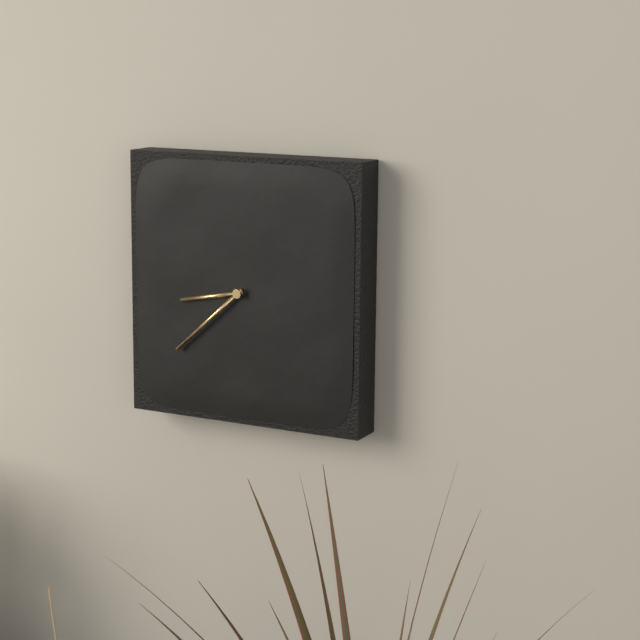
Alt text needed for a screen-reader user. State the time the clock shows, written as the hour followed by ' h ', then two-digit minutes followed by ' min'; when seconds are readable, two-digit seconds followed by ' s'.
8 h 38 min
